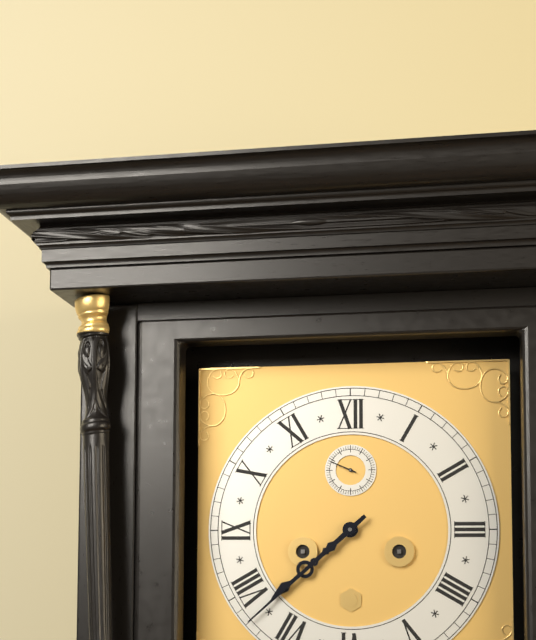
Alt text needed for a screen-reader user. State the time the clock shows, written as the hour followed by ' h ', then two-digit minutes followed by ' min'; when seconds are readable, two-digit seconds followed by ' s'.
7 h 38 min
